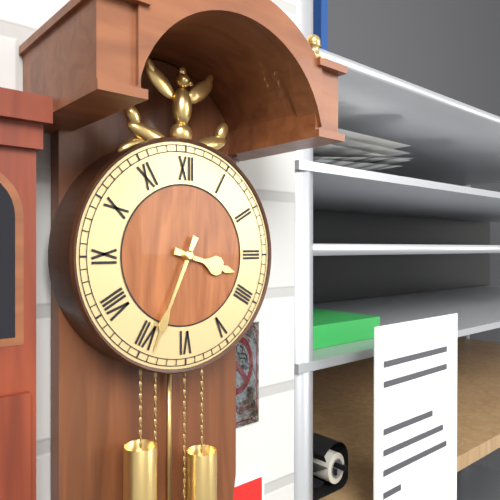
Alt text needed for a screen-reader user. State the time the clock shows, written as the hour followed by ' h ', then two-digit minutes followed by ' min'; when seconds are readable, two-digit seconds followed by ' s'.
3 h 34 min
